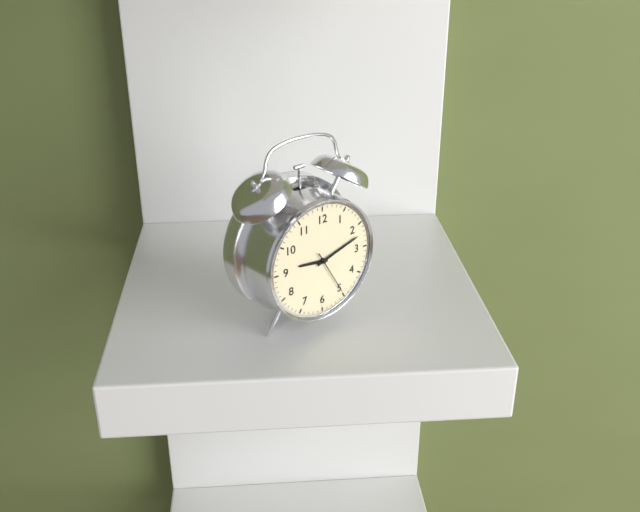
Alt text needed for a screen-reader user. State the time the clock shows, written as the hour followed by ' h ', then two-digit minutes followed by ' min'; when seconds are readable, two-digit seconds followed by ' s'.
9 h 12 min
